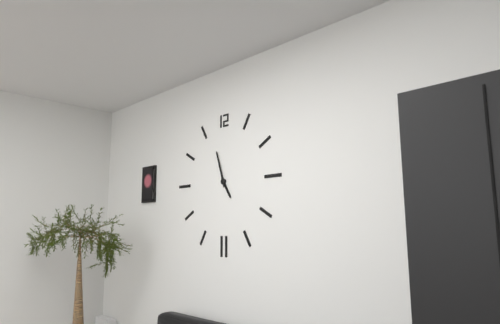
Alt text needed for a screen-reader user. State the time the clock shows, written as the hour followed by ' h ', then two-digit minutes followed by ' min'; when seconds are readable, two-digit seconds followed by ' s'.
4 h 57 min
